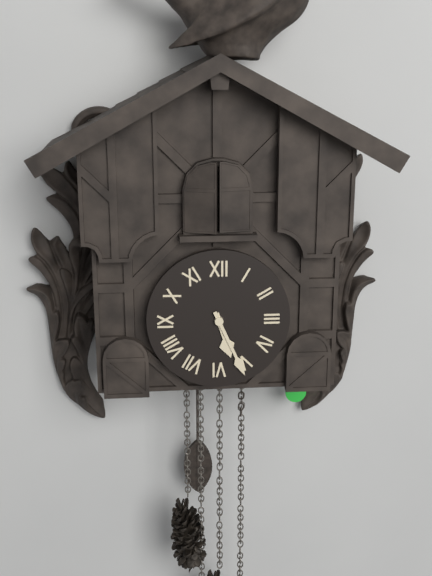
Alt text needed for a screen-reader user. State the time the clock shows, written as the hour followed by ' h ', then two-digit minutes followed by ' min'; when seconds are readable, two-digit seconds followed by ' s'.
5 h 26 min
